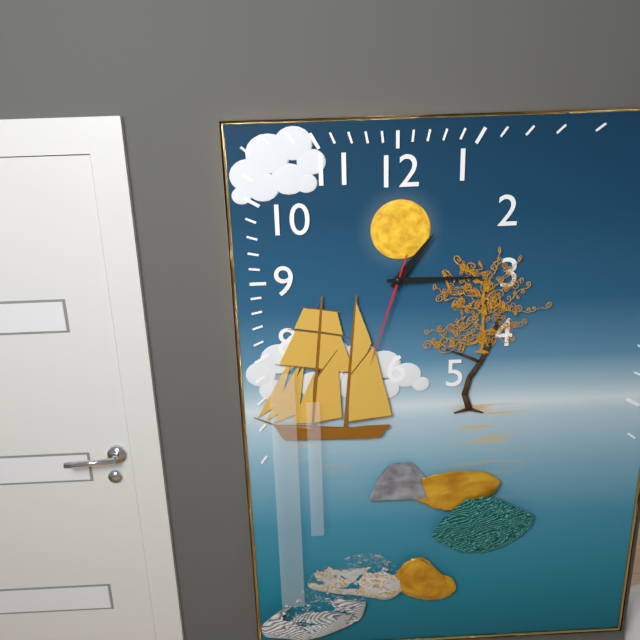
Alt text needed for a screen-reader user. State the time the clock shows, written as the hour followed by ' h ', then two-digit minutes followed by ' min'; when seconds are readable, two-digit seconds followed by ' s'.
1 h 15 min 33 s
